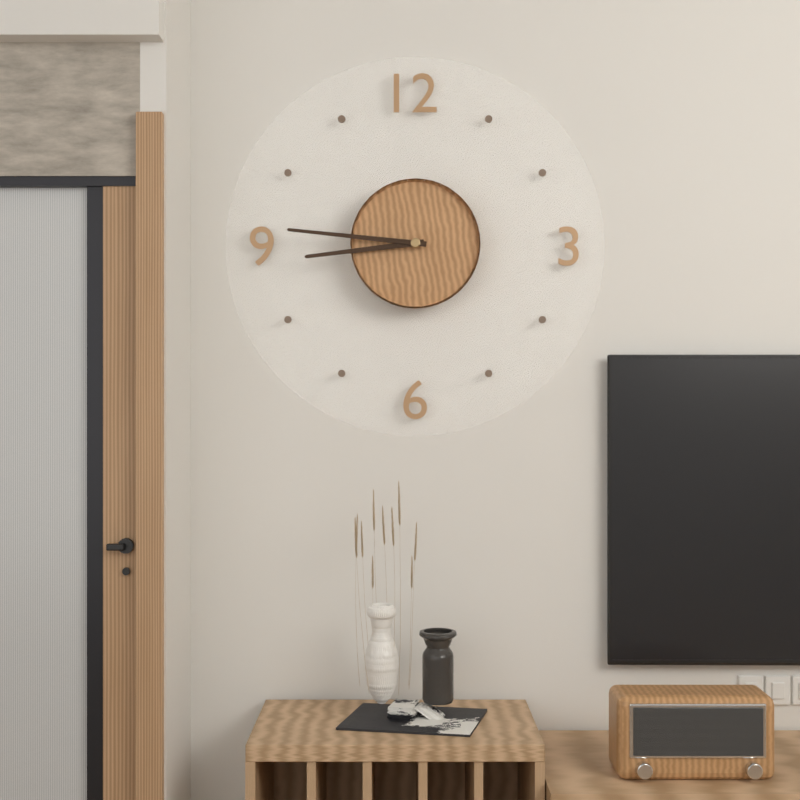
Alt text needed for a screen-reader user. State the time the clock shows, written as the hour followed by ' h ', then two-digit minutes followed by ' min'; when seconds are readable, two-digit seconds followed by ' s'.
8 h 46 min
